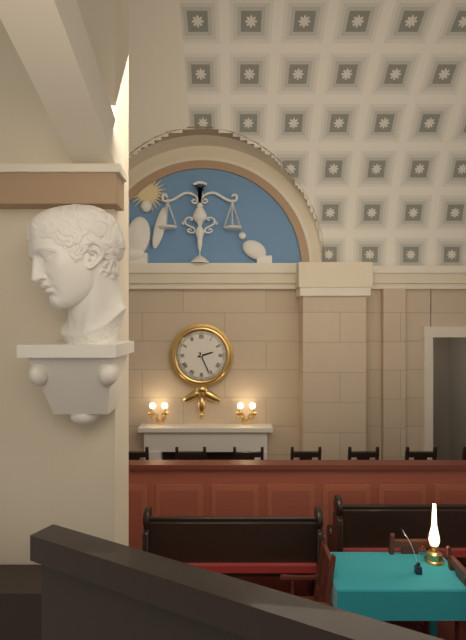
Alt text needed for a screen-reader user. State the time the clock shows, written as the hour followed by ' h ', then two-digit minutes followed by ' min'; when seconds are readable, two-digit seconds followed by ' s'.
2 h 26 min
